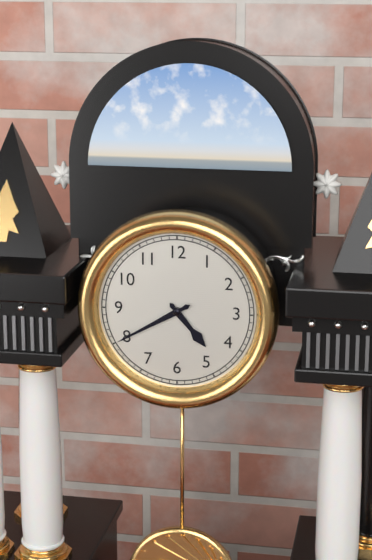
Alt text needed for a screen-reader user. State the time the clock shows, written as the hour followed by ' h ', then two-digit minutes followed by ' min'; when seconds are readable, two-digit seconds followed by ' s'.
4 h 40 min
